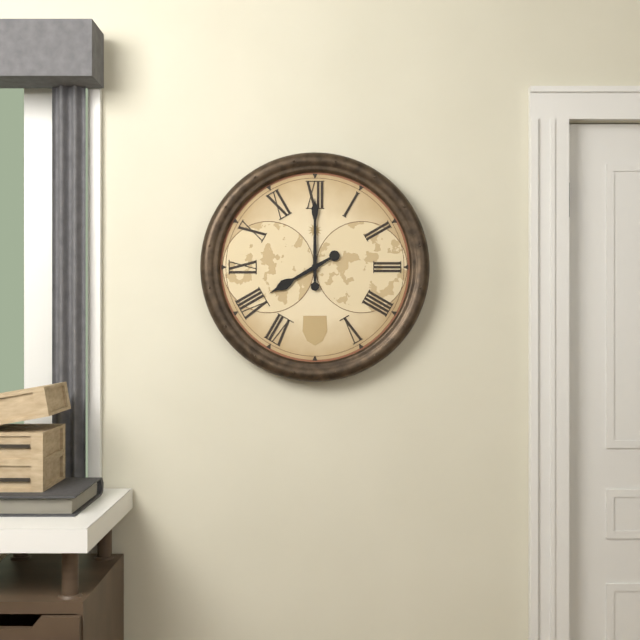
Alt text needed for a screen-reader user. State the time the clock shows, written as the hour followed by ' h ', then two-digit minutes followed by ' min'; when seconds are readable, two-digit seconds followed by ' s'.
8 h 00 min
